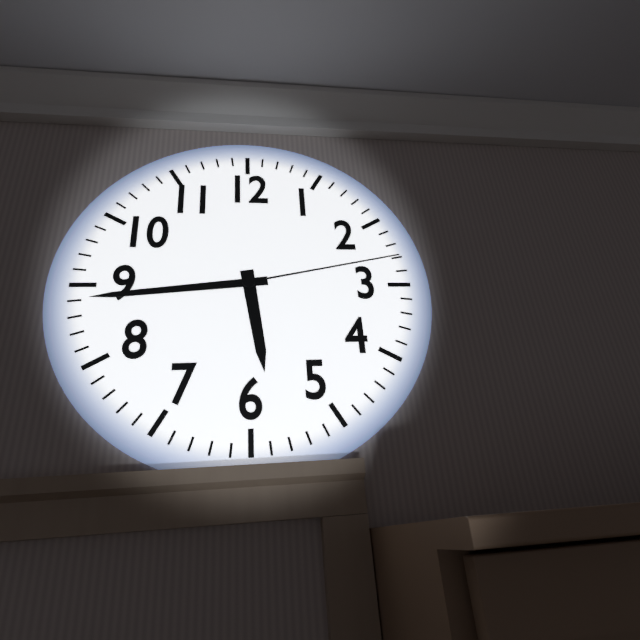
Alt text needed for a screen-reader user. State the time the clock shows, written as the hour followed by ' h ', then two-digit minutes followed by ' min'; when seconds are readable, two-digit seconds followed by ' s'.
5 h 44 min 13 s
